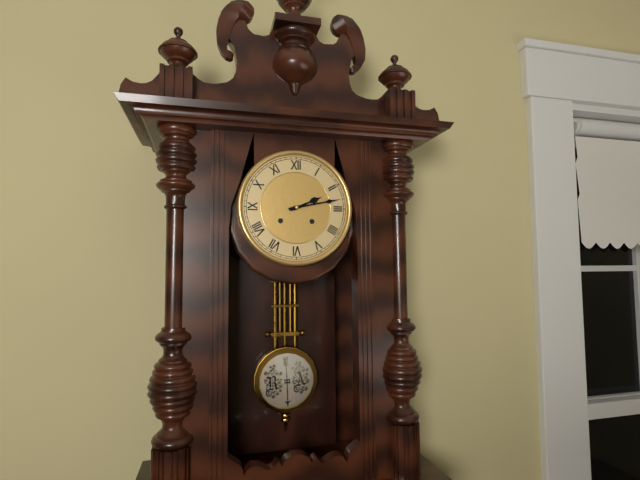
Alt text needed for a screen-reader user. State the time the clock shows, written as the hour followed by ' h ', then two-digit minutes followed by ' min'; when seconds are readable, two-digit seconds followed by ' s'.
2 h 13 min
